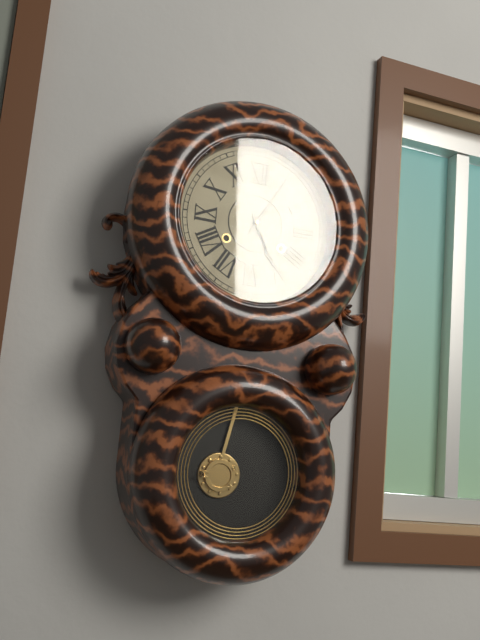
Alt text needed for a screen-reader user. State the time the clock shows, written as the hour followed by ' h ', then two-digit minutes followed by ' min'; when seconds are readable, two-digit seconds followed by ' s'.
5 h 05 min
